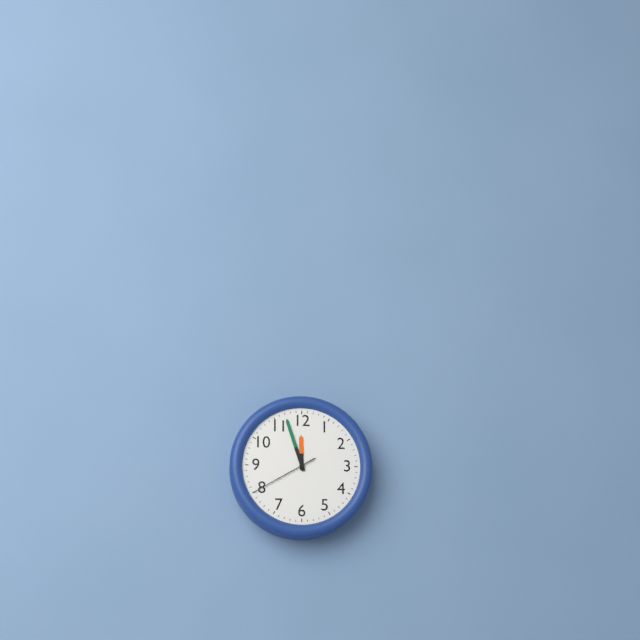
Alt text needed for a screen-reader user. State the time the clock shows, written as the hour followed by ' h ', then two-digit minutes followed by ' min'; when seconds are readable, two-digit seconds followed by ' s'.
11 h 57 min 40 s
